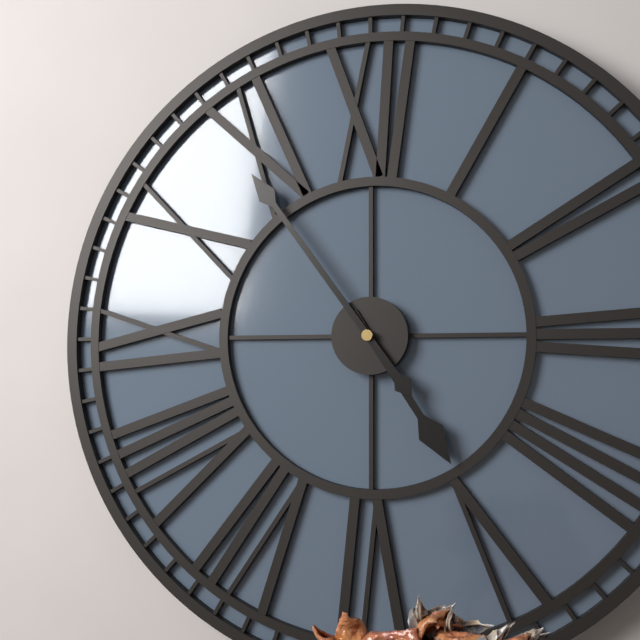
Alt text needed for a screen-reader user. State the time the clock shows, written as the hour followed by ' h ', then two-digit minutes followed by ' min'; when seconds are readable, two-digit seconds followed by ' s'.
4 h 54 min
